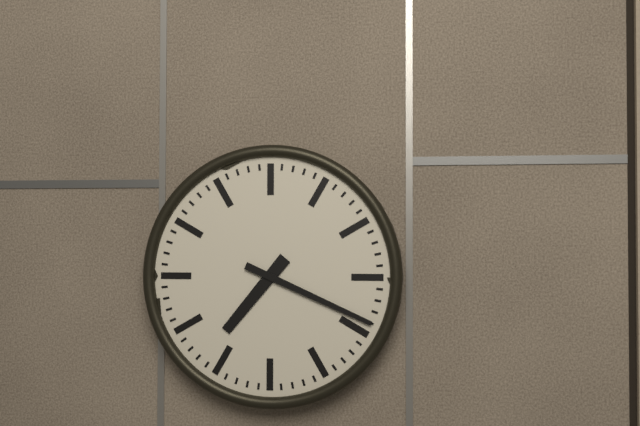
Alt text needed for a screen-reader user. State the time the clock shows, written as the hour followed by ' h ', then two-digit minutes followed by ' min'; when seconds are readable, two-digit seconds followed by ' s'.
7 h 19 min
